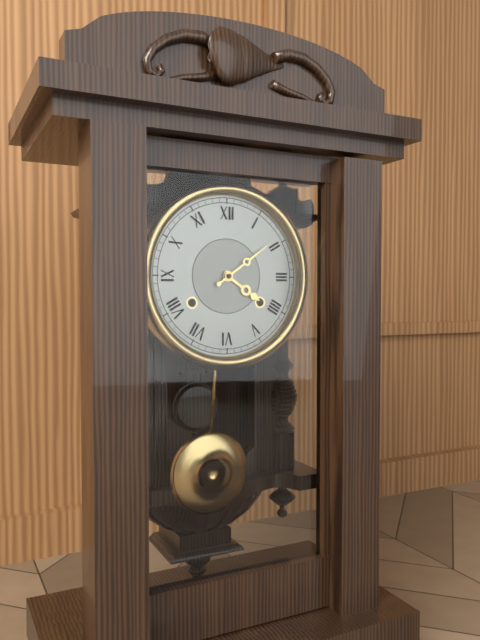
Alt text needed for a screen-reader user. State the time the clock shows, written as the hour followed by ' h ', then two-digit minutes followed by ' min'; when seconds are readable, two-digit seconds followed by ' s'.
4 h 09 min
